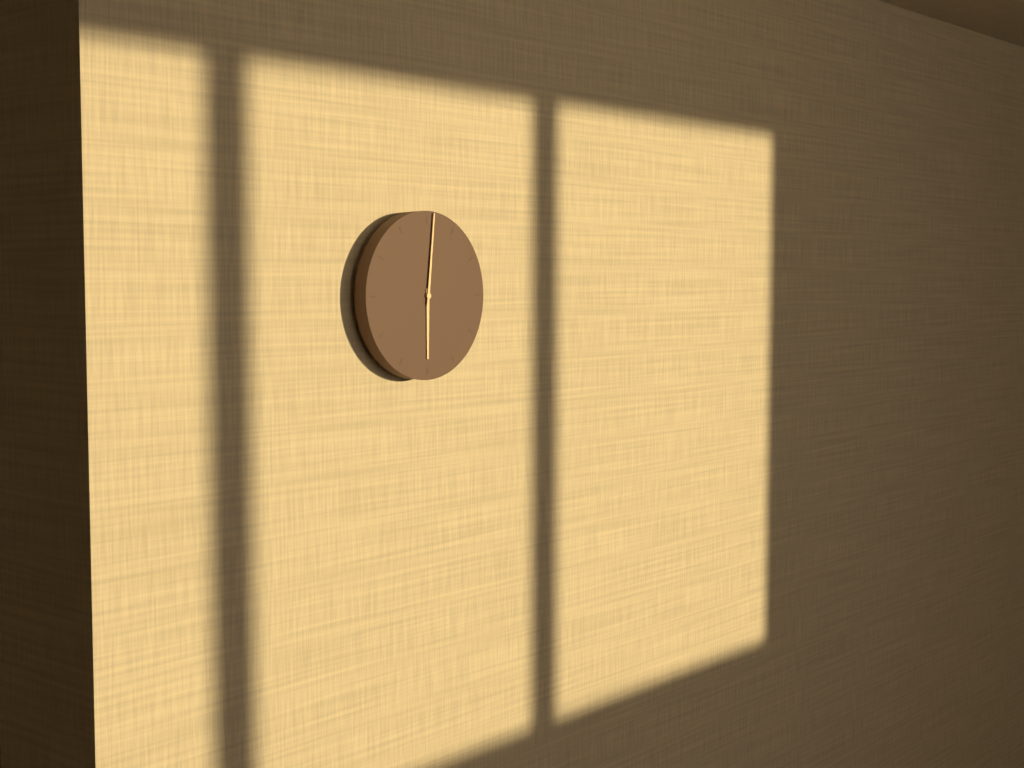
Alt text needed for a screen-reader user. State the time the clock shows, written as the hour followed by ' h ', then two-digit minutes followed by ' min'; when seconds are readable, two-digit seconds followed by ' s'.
6 h 01 min
